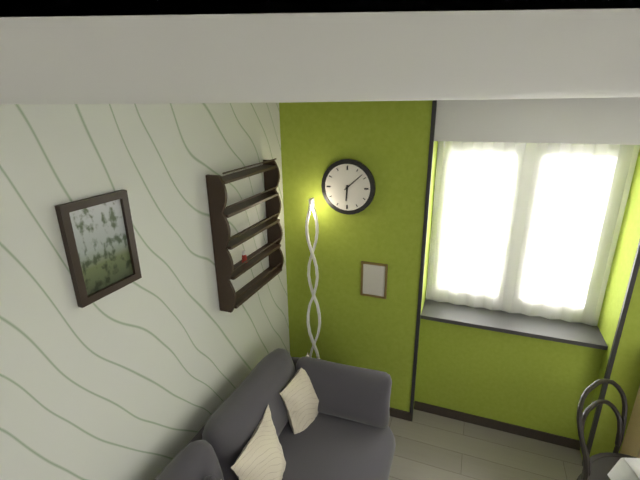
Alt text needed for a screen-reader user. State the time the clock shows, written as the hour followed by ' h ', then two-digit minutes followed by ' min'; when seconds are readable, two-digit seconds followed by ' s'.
6 h 08 min
